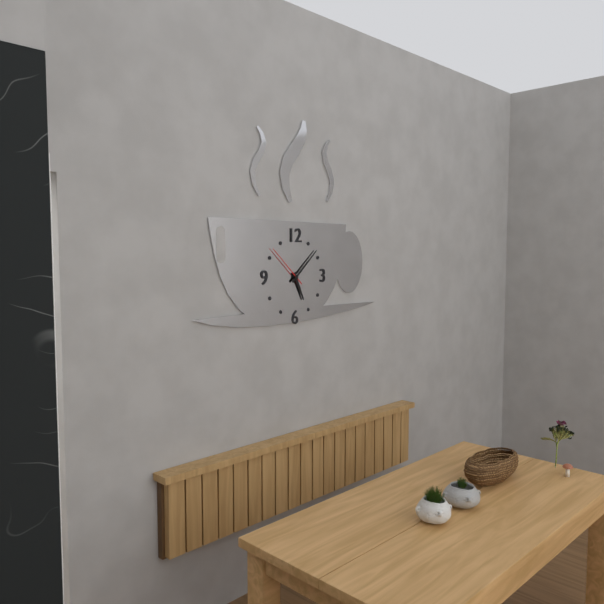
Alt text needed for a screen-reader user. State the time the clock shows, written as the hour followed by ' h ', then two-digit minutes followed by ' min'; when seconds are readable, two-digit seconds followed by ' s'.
5 h 08 min
